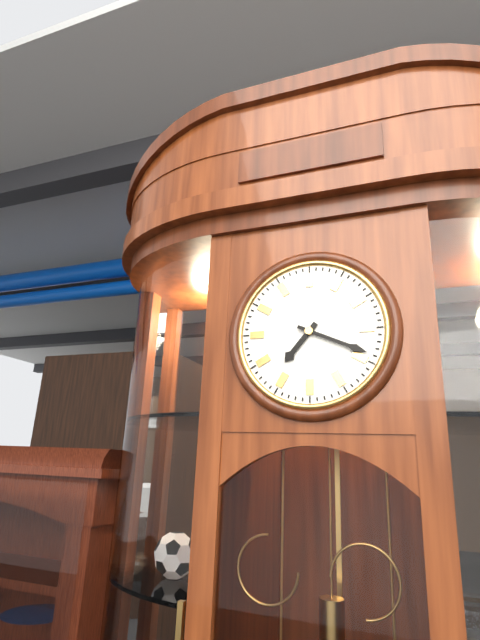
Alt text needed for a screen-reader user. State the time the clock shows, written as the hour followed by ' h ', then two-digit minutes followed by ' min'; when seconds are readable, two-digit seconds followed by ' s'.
7 h 19 min
